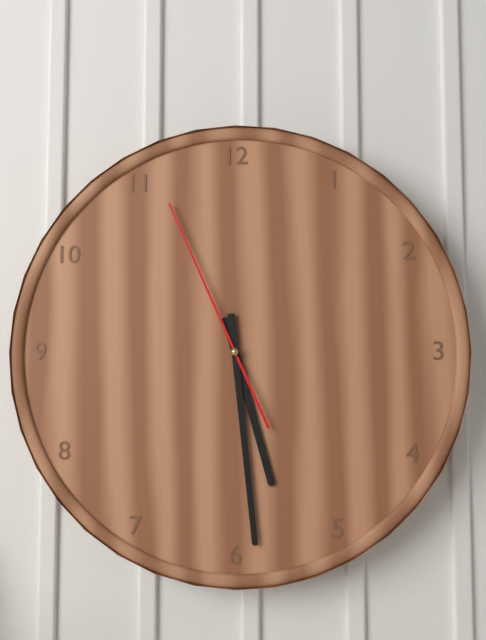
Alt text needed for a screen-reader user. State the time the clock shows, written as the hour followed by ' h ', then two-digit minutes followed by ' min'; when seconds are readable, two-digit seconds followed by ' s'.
5 h 29 min 56 s
